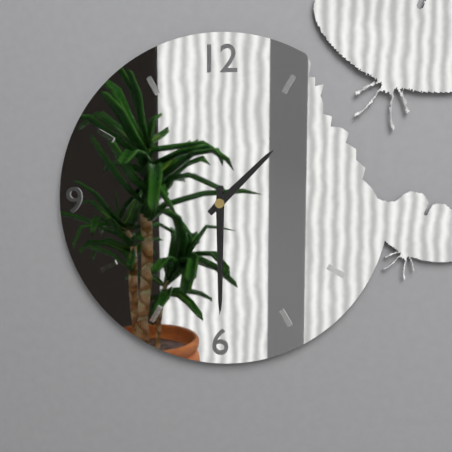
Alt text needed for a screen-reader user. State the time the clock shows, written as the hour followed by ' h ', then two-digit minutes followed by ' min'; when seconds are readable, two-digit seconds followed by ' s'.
1 h 30 min
